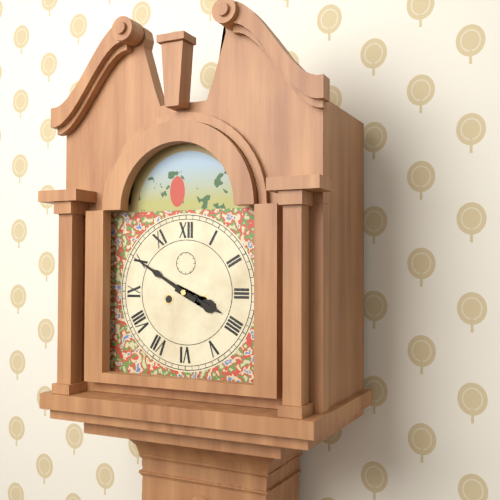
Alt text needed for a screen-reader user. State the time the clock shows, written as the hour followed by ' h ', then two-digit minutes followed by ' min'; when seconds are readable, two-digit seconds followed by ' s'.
3 h 50 min
